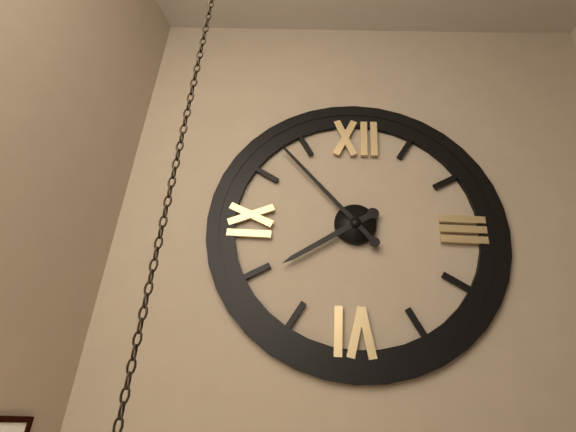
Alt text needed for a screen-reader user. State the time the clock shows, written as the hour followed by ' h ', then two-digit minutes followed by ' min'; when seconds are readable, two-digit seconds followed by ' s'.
7 h 53 min
